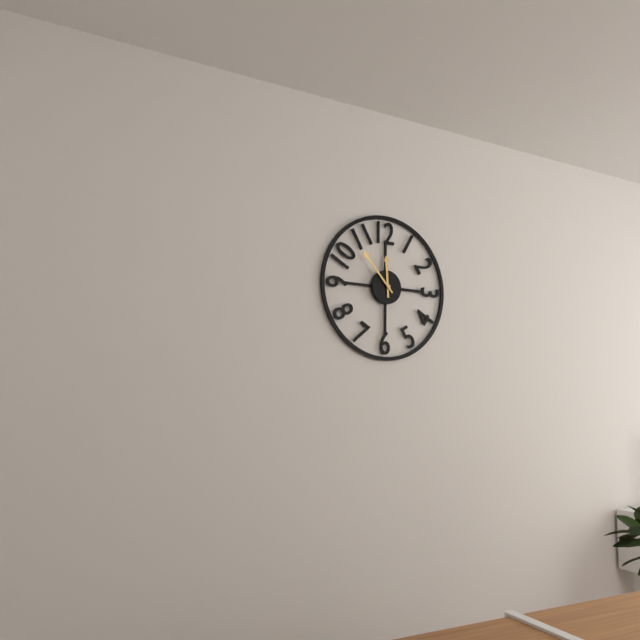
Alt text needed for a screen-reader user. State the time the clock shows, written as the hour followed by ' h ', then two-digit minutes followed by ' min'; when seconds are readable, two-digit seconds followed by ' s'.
11 h 53 min
